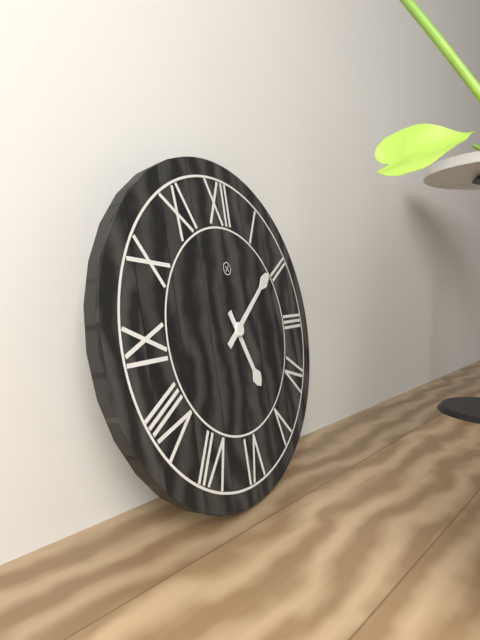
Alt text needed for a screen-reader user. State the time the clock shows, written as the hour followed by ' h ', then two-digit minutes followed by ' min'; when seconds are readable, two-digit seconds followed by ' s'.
5 h 09 min
